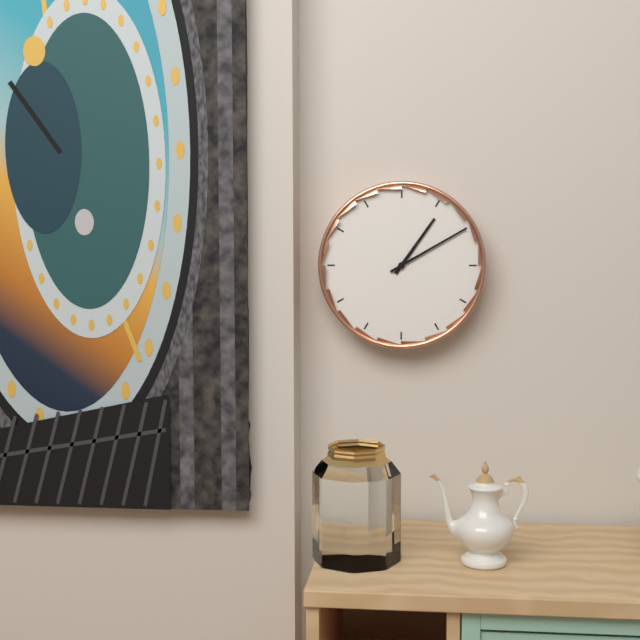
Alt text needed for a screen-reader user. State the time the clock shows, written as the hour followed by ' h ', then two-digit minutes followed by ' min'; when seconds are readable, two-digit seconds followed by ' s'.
1 h 10 min
